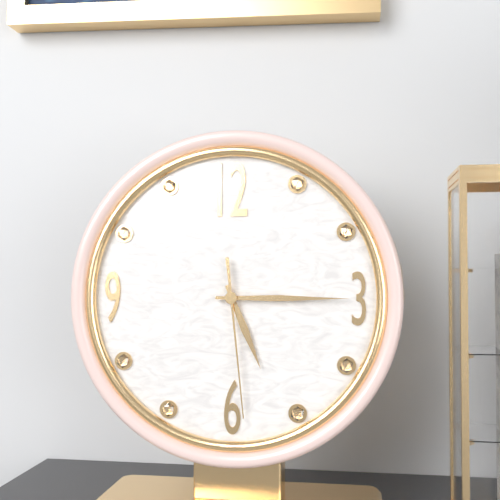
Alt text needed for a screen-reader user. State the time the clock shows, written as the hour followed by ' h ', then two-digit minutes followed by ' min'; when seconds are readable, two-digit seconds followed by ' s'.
5 h 15 min 29 s
